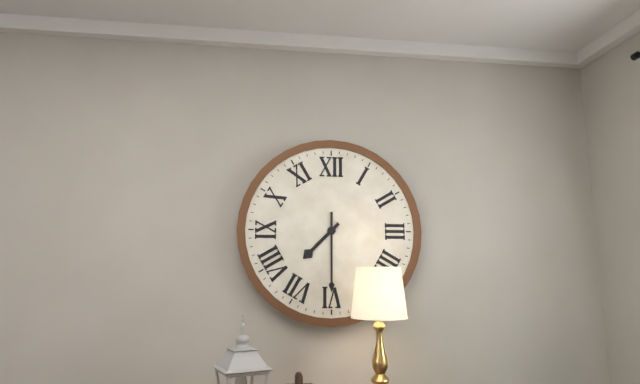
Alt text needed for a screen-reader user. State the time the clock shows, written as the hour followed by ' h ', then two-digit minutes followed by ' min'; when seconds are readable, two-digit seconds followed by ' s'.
7 h 30 min
